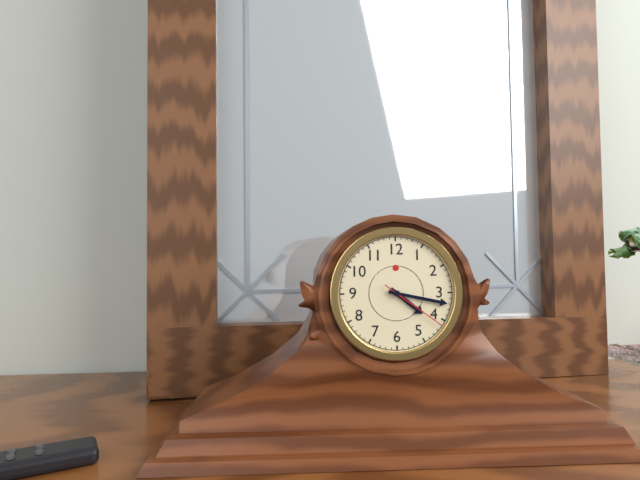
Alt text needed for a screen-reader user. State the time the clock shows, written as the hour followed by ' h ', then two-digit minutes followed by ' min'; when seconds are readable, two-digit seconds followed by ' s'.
4 h 17 min 21 s
